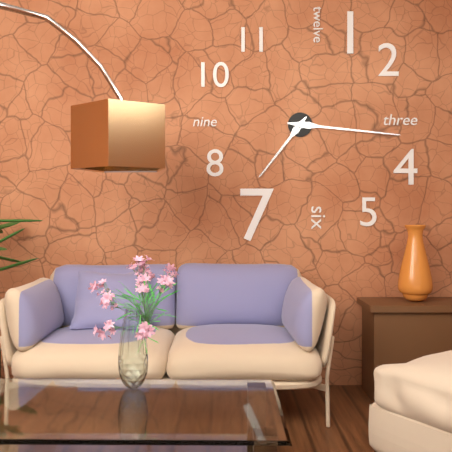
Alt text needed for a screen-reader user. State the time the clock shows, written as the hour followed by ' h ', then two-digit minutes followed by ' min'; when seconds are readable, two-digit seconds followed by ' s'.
7 h 16 min
